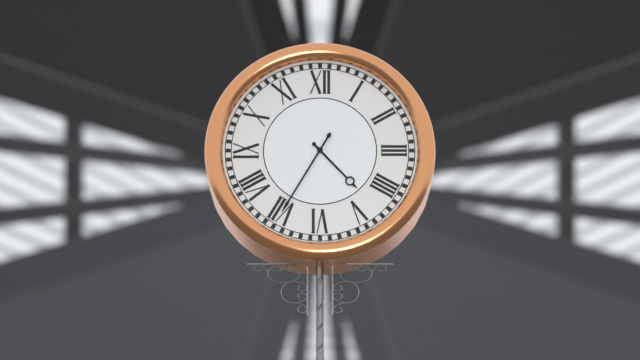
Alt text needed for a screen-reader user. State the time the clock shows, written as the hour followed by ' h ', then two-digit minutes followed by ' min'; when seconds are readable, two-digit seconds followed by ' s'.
4 h 35 min
